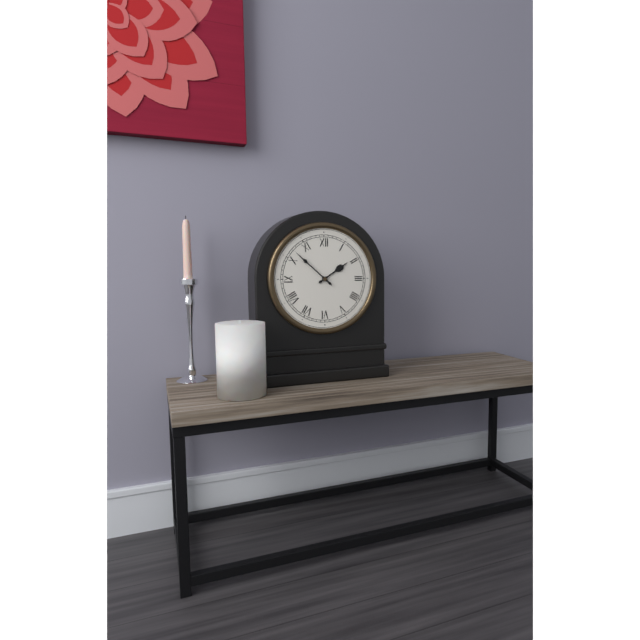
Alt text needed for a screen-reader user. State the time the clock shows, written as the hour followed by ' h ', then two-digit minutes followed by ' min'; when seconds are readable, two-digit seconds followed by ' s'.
1 h 52 min
